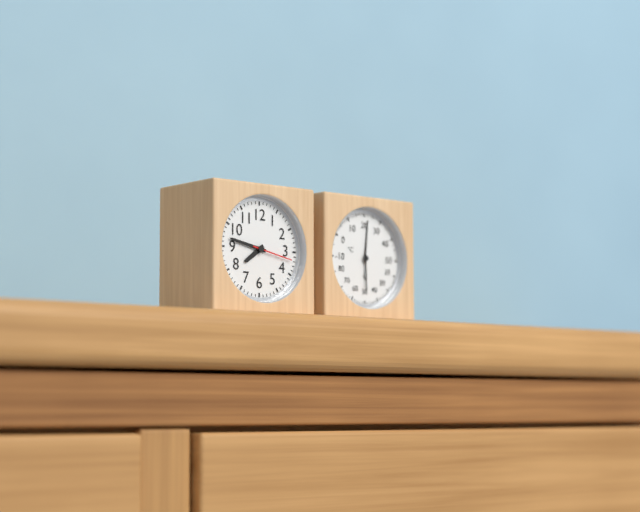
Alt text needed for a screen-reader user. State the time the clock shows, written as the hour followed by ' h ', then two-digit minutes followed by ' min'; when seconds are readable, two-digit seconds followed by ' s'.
7 h 47 min
